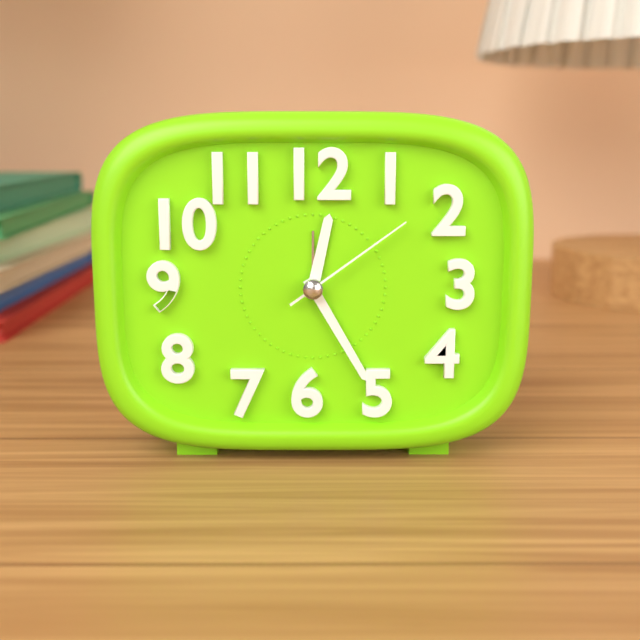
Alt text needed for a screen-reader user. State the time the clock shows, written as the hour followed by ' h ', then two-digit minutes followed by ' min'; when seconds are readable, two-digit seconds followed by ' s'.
12 h 25 min 09 s
